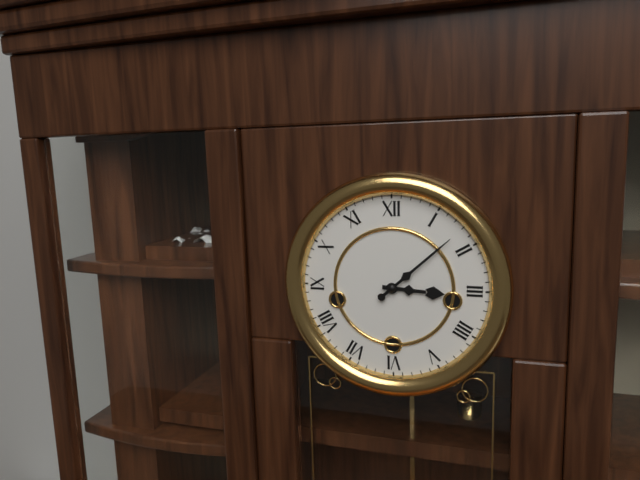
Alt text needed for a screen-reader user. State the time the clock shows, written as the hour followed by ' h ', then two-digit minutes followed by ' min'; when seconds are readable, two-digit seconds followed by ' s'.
3 h 08 min
